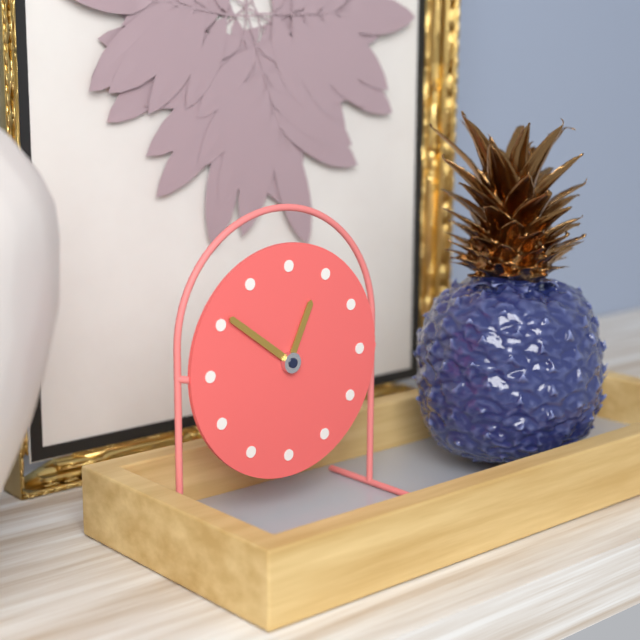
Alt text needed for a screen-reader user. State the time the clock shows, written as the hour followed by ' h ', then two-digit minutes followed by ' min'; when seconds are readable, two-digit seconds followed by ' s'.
12 h 51 min
